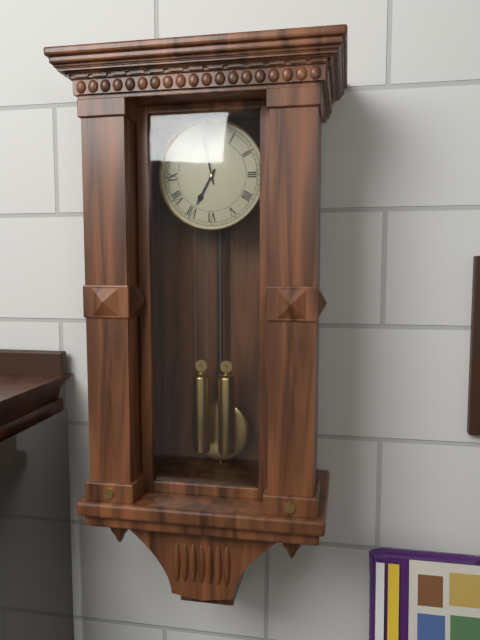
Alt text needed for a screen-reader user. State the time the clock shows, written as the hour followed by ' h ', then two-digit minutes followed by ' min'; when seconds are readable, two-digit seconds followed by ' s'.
6 h 58 min
